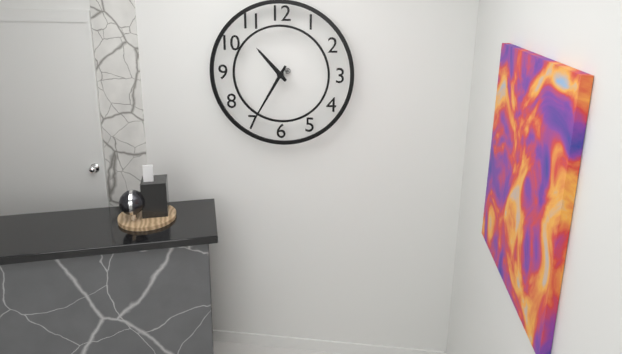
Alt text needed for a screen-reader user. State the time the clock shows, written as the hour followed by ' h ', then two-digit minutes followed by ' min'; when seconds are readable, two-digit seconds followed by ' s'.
10 h 35 min
